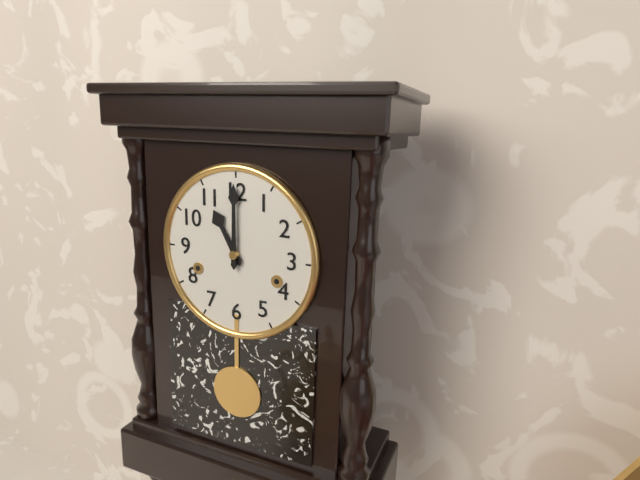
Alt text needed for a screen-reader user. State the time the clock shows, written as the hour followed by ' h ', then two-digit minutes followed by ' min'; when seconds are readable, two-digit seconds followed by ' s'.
11 h 00 min
